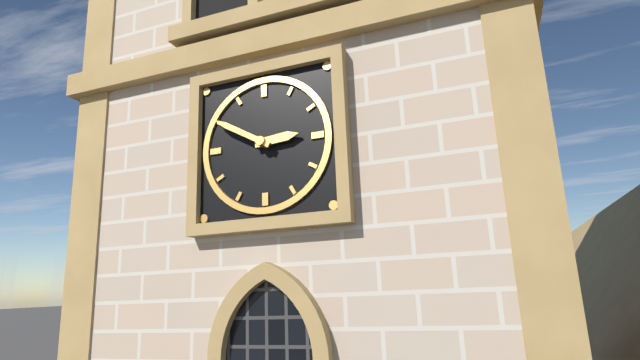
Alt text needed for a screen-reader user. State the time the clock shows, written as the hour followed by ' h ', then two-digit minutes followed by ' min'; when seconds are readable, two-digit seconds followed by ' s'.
2 h 50 min
